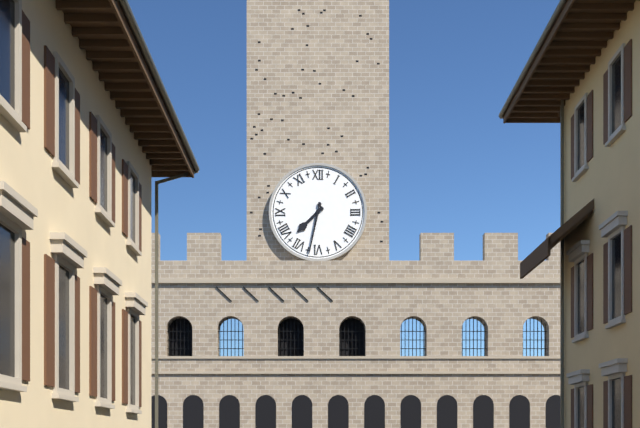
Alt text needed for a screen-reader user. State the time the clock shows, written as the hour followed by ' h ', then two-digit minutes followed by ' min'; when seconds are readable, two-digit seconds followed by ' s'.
7 h 32 min
